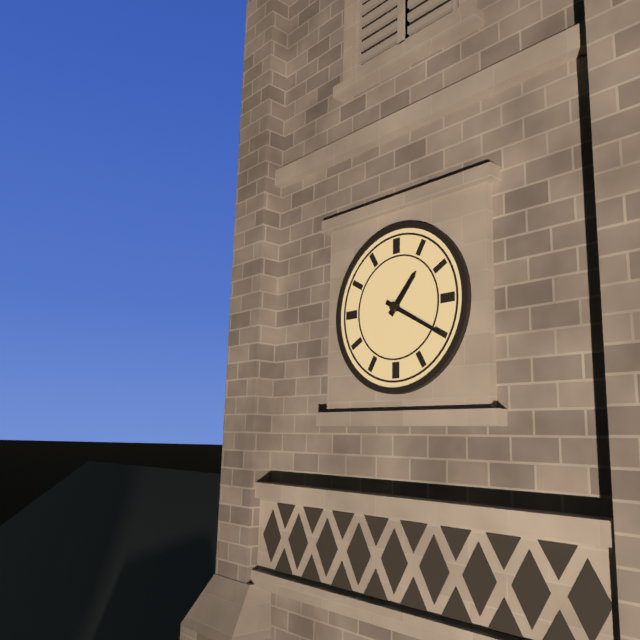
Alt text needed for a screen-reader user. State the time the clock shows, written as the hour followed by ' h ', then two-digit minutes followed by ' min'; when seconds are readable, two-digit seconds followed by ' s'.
1 h 20 min
